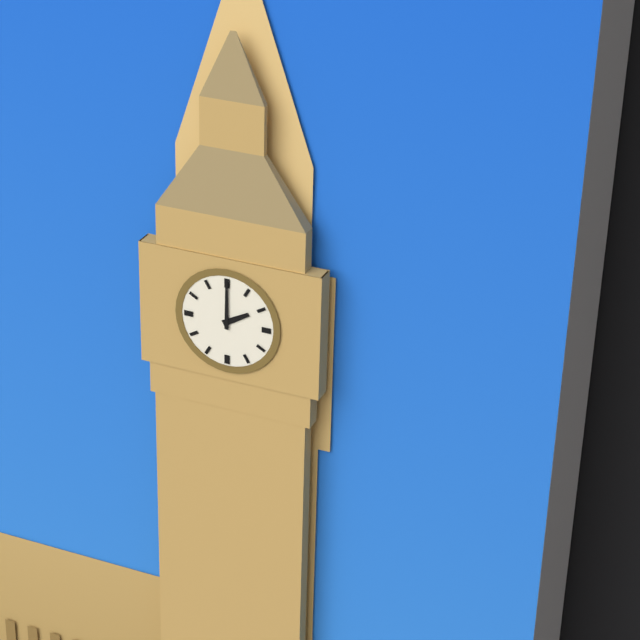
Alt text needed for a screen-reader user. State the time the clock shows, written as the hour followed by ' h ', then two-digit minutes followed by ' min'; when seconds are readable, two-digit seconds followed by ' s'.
2 h 00 min
